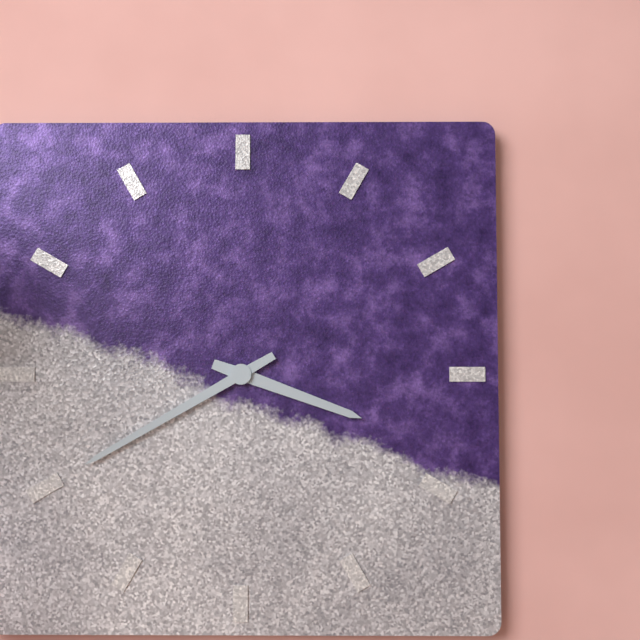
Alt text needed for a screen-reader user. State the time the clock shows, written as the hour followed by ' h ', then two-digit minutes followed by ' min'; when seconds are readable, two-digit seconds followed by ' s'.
3 h 40 min
